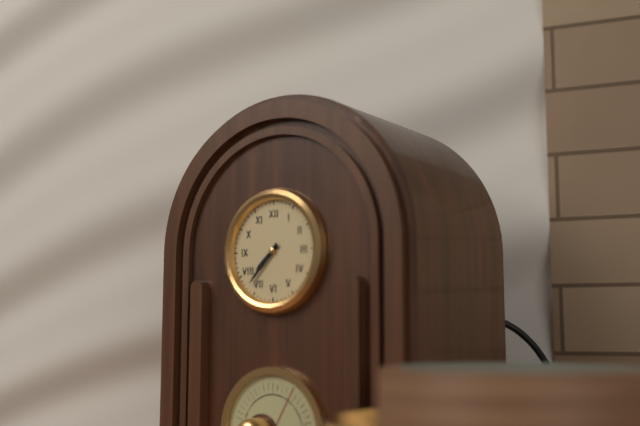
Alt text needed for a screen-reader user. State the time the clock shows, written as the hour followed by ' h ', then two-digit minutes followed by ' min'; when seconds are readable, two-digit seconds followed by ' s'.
7 h 37 min
